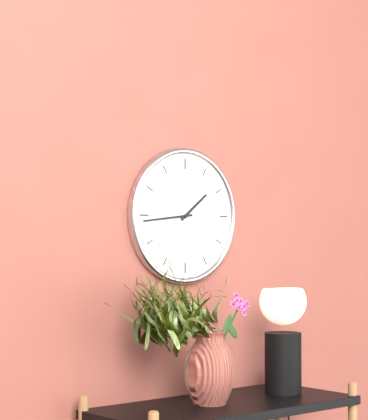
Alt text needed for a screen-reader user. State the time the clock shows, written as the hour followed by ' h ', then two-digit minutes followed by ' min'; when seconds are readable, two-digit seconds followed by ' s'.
1 h 44 min
